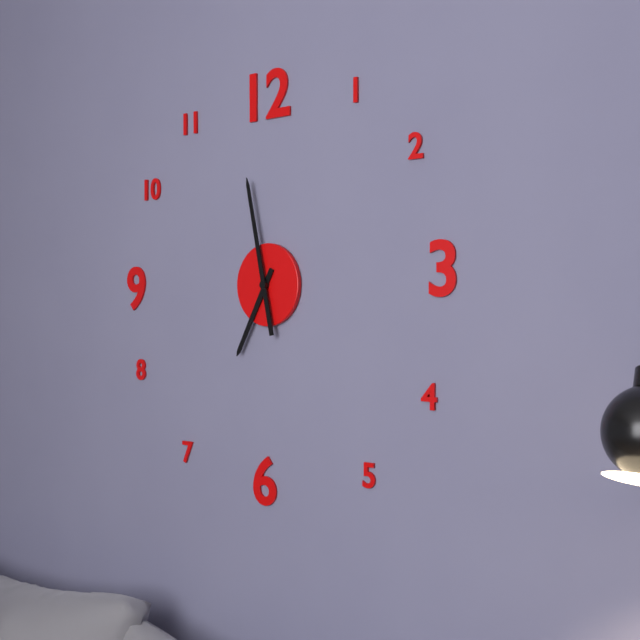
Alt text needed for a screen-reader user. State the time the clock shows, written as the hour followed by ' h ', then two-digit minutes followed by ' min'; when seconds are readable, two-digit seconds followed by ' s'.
6 h 58 min
